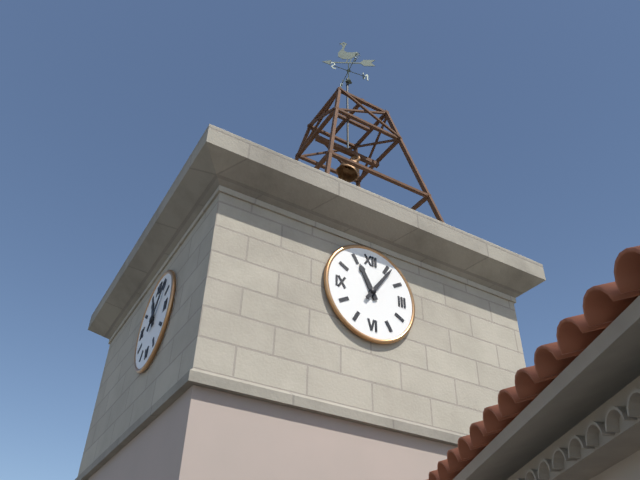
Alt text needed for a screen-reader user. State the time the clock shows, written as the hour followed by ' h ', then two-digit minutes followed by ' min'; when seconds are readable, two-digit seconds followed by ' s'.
11 h 06 min
